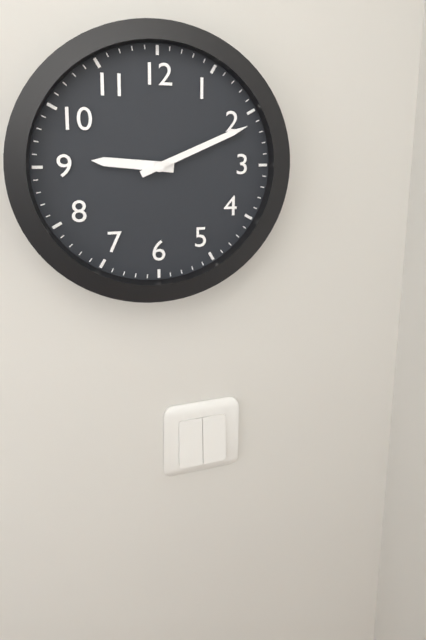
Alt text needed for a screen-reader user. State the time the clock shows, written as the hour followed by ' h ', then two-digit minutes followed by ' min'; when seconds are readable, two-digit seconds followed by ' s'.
9 h 11 min
